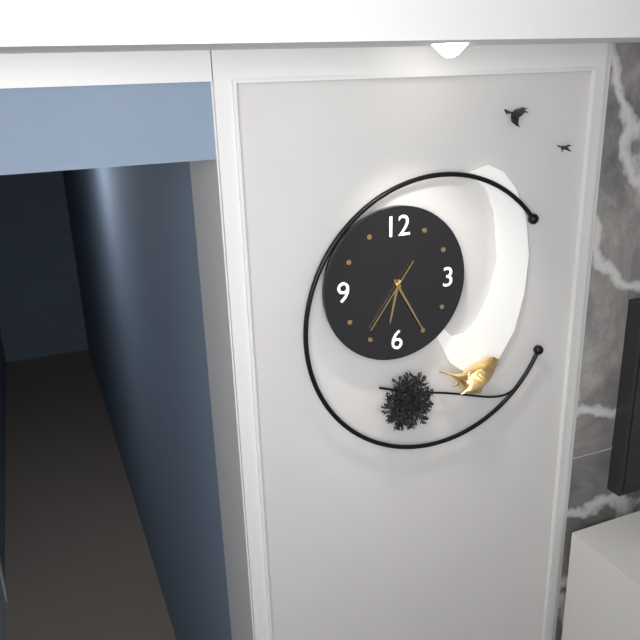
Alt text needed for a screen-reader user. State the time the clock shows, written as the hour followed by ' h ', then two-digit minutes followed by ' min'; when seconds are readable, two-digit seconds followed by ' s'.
6 h 25 min 36 s
